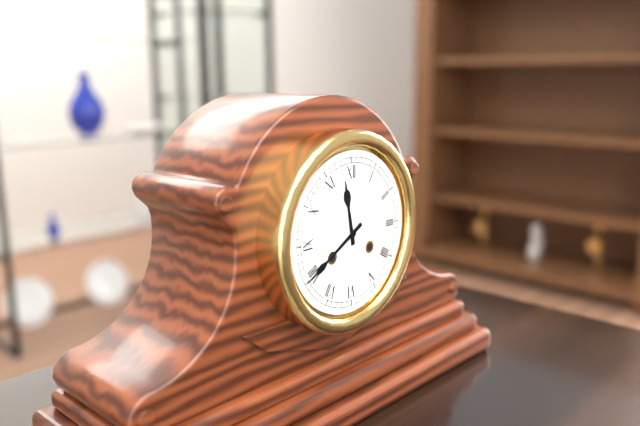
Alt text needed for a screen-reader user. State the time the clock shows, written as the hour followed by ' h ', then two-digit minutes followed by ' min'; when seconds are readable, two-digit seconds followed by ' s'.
11 h 40 min
